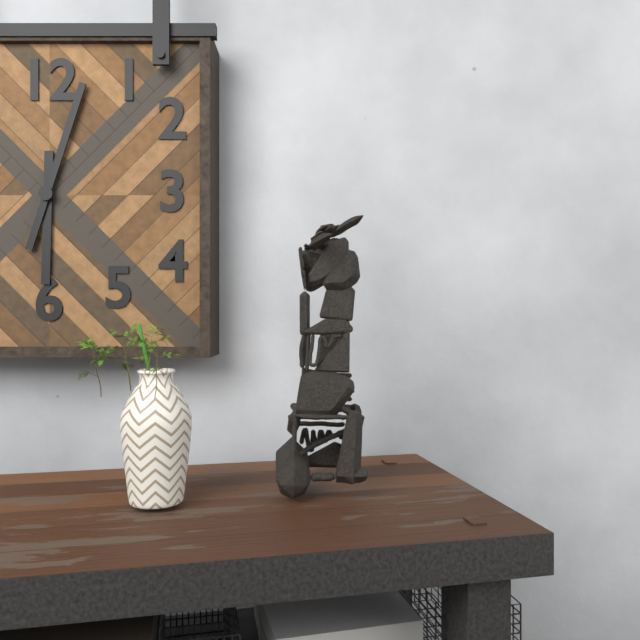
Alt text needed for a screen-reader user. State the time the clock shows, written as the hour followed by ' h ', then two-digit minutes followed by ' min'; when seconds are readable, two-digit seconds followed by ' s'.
6 h 03 min
